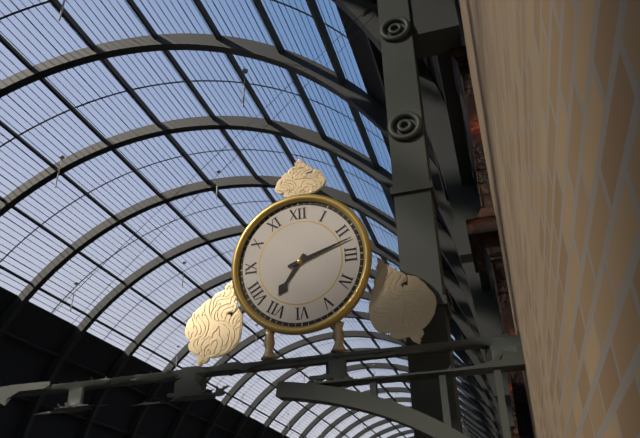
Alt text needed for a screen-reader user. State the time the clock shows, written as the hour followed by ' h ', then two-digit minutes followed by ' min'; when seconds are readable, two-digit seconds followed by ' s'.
7 h 12 min
